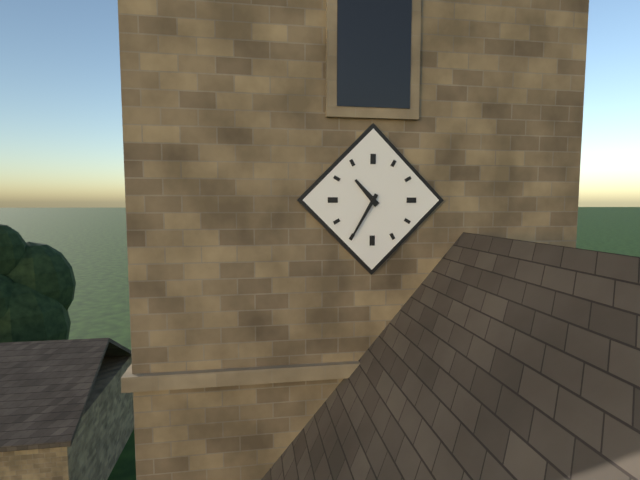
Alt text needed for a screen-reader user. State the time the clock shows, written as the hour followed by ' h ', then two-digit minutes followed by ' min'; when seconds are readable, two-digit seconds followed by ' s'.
10 h 35 min
